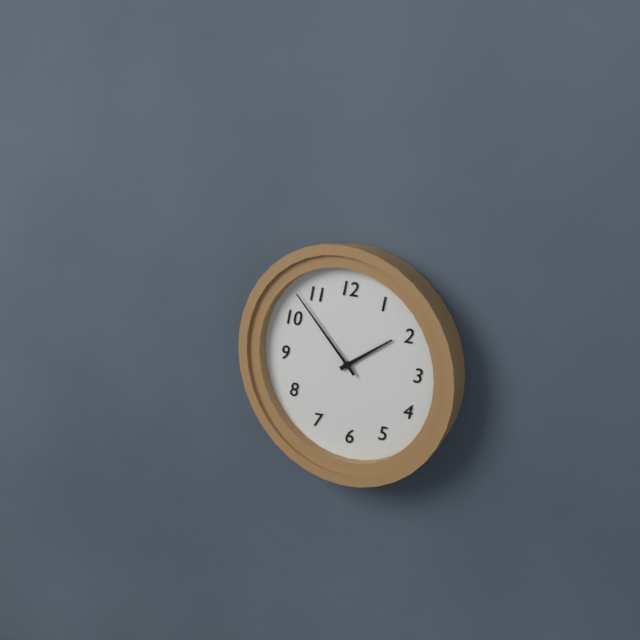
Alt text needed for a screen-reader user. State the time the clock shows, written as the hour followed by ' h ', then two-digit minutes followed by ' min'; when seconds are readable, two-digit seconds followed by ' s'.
1 h 53 min
